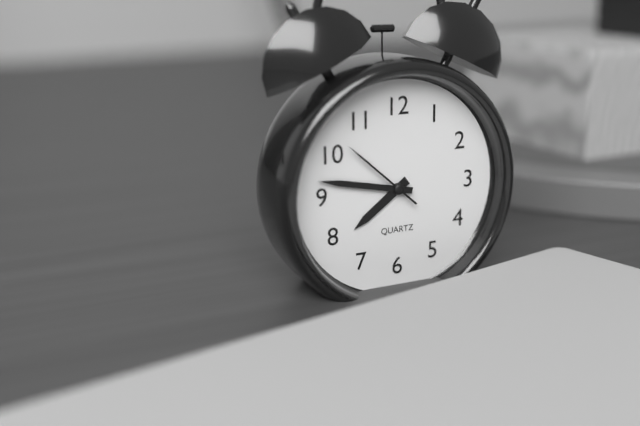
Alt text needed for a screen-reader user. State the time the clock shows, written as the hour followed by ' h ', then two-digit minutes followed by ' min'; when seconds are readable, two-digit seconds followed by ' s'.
7 h 47 min 52 s
